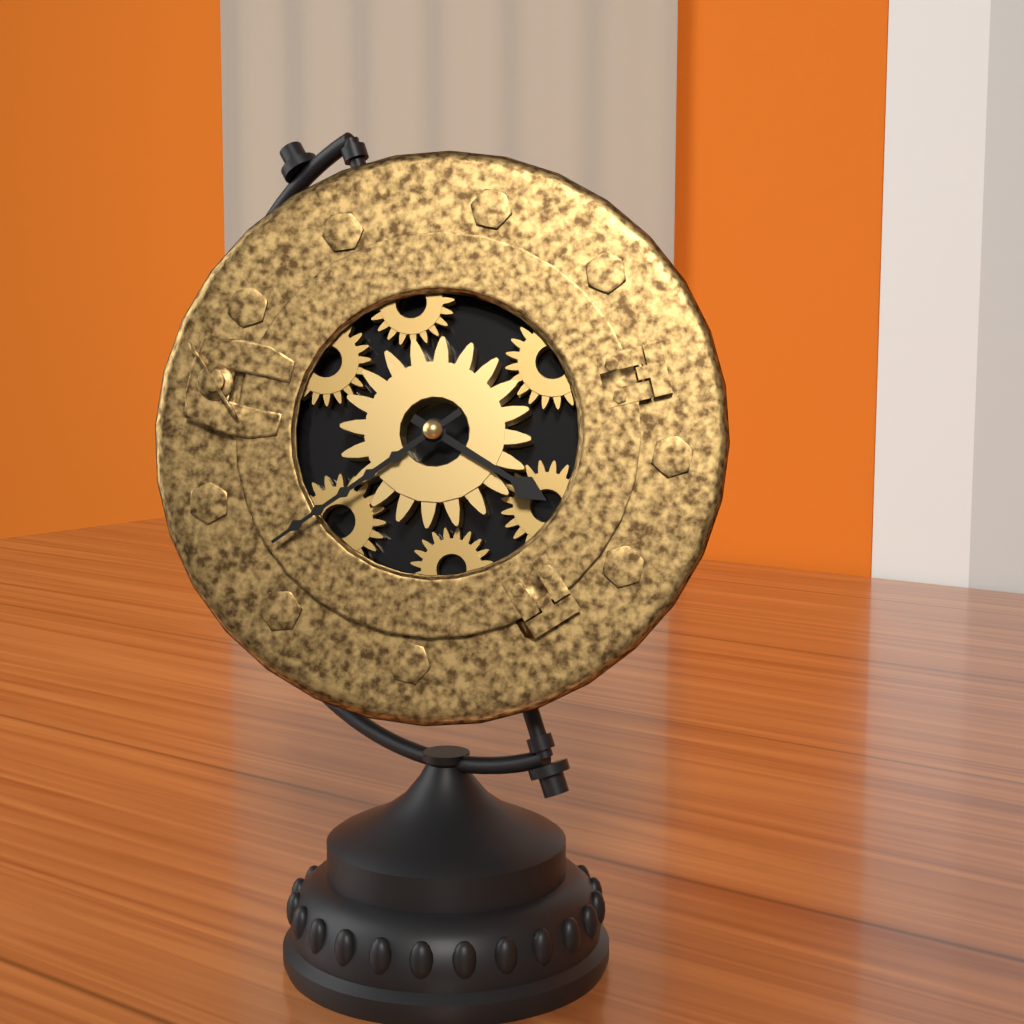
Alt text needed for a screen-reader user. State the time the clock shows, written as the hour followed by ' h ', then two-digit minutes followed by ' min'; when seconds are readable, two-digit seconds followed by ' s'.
3 h 37 min
